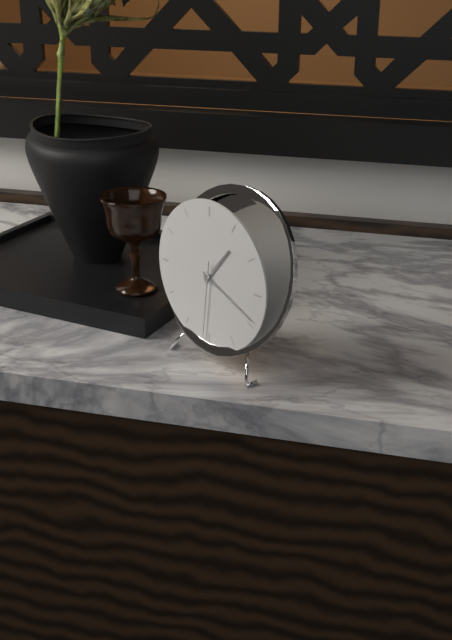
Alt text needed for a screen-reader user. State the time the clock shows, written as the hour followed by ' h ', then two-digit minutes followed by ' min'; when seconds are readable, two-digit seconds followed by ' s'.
1 h 19 min 31 s
